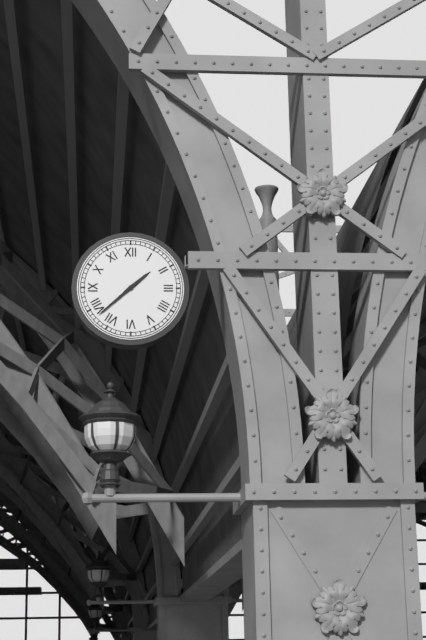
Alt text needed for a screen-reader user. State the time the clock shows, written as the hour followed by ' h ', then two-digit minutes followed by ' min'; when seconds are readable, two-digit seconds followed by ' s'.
1 h 38 min
